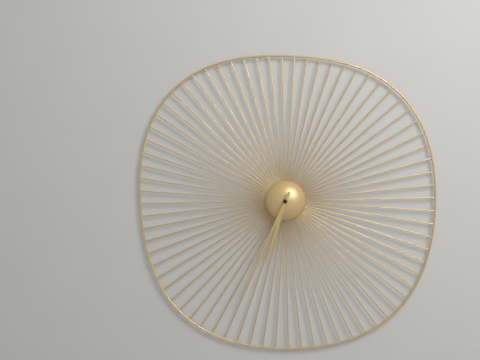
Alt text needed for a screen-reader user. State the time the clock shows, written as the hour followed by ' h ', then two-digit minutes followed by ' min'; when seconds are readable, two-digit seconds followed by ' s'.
6 h 34 min
